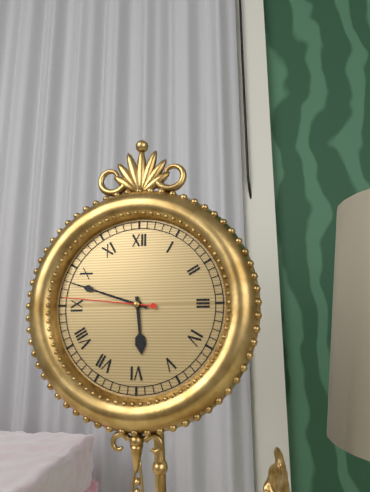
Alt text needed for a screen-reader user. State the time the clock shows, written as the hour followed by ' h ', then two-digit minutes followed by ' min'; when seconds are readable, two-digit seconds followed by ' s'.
5 h 48 min 46 s
